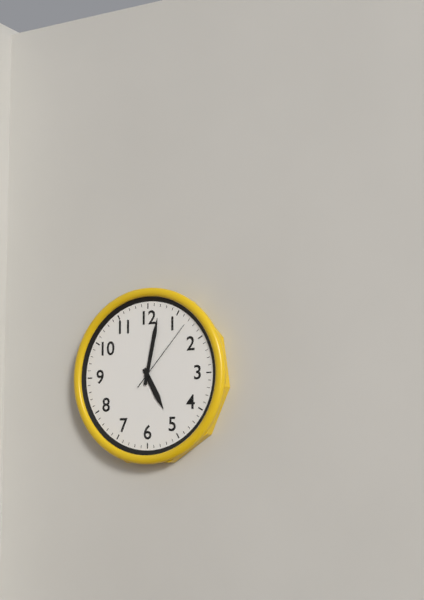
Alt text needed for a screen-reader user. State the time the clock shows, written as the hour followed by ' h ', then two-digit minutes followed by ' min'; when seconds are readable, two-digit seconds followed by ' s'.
5 h 02 min 07 s
